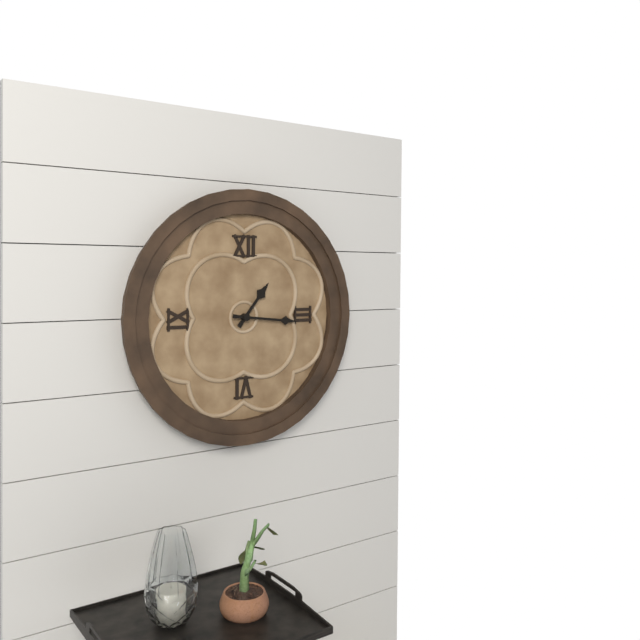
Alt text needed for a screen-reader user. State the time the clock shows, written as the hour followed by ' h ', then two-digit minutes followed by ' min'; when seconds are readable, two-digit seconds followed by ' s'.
1 h 16 min
